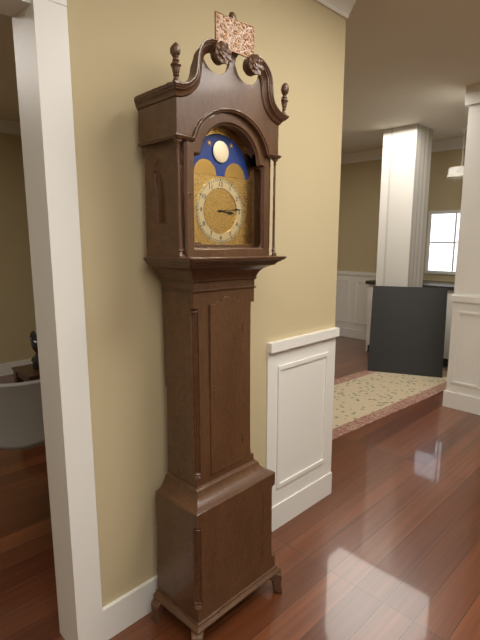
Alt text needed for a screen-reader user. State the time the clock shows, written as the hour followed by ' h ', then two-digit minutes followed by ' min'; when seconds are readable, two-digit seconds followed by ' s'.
3 h 14 min
